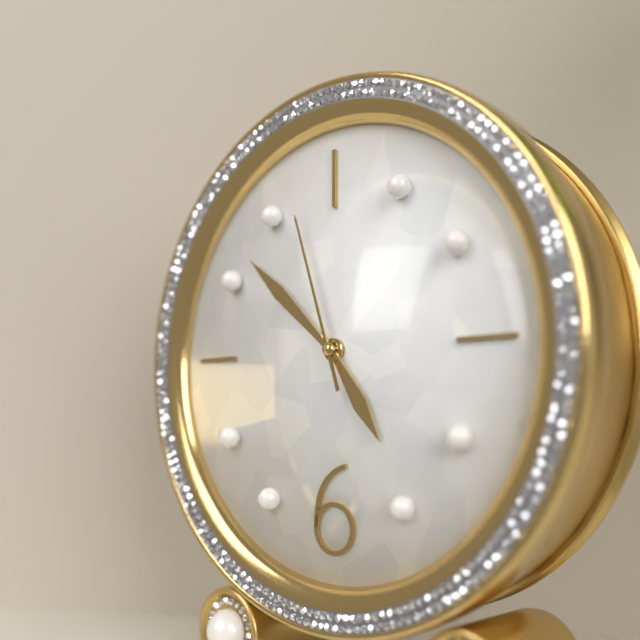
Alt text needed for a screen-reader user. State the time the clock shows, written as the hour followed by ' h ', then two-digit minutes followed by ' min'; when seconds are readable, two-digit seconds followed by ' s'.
4 h 52 min 57 s
